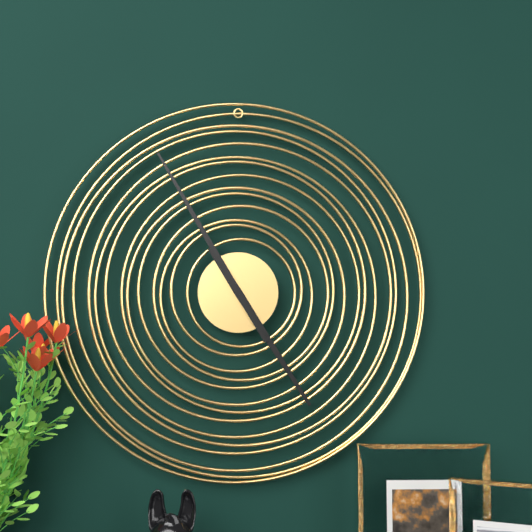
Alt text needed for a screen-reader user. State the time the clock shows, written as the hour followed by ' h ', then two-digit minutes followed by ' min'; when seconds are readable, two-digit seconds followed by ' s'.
4 h 55 min
